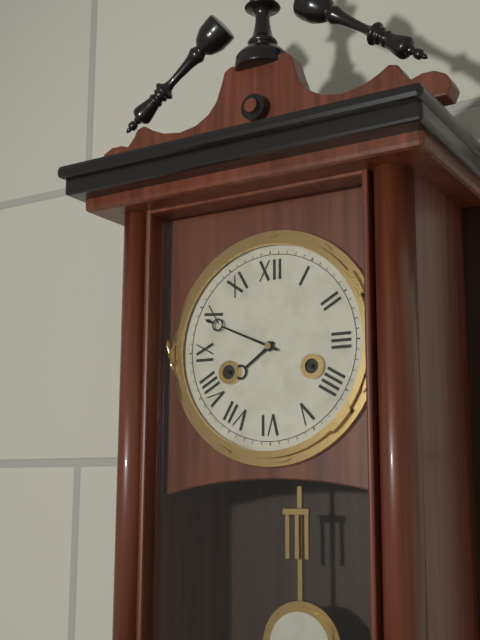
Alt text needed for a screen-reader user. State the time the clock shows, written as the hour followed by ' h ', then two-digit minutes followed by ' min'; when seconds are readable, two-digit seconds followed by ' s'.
7 h 49 min
